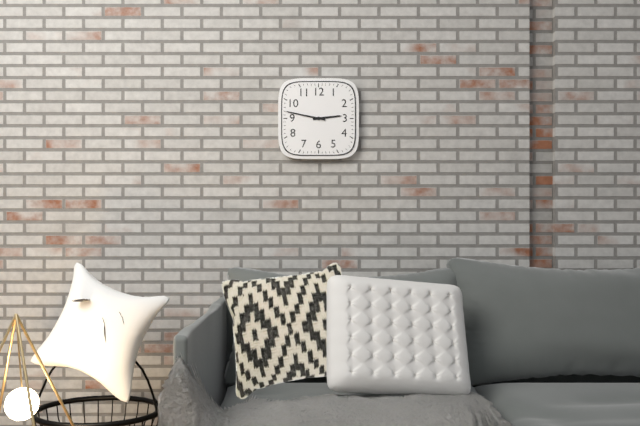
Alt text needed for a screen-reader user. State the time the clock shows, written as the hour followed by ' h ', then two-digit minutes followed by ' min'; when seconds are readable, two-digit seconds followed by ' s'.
2 h 47 min
